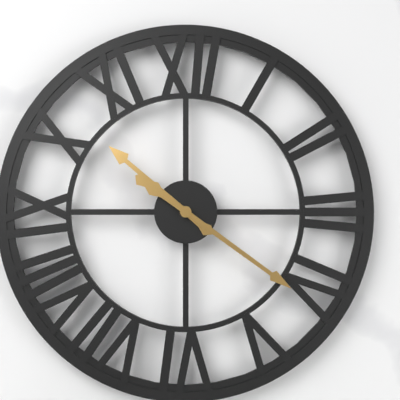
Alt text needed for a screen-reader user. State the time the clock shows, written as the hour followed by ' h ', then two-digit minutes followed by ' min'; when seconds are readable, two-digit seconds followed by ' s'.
10 h 21 min
